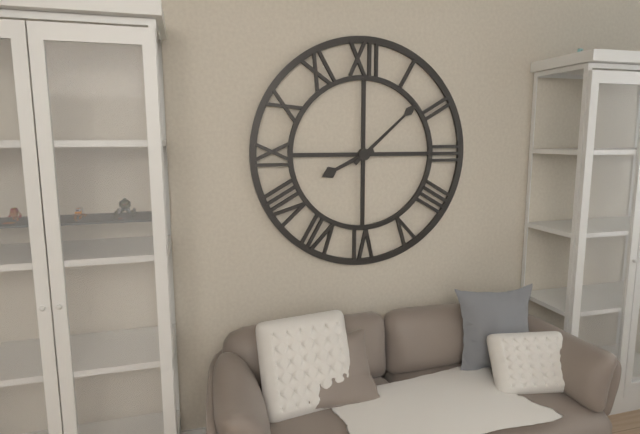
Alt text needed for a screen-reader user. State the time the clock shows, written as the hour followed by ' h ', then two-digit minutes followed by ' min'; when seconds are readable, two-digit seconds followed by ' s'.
8 h 08 min
